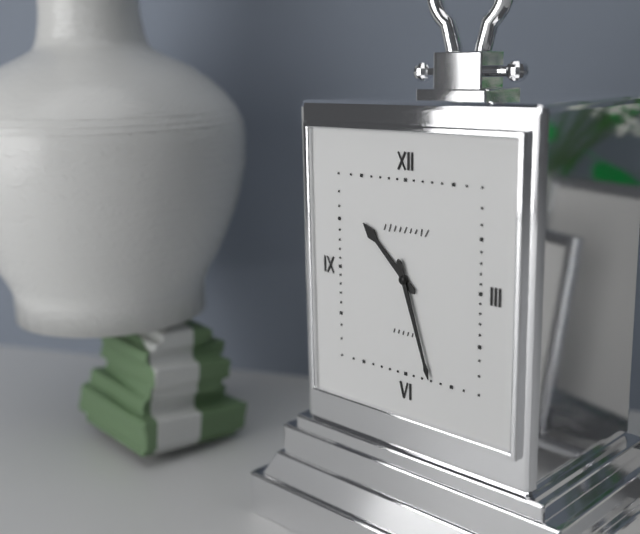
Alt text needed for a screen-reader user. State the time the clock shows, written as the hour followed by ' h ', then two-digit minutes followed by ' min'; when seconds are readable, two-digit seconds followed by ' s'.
10 h 27 min
